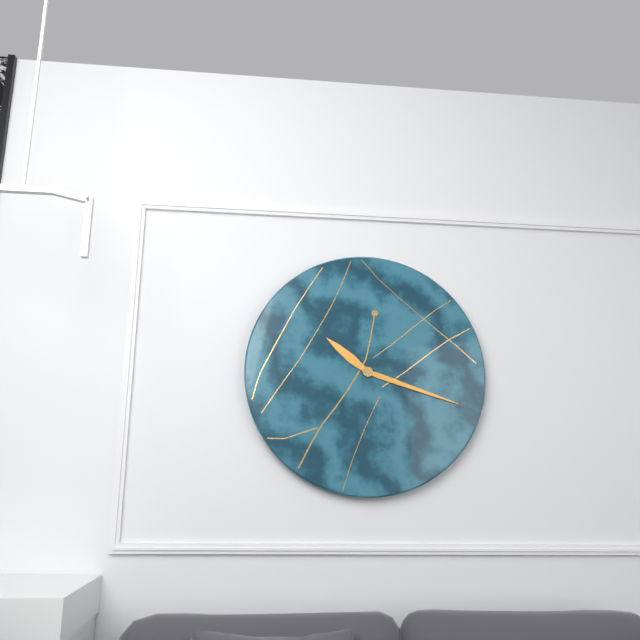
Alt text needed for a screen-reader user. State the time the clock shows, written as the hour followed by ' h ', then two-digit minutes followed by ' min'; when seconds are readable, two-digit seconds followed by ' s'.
10 h 18 min
